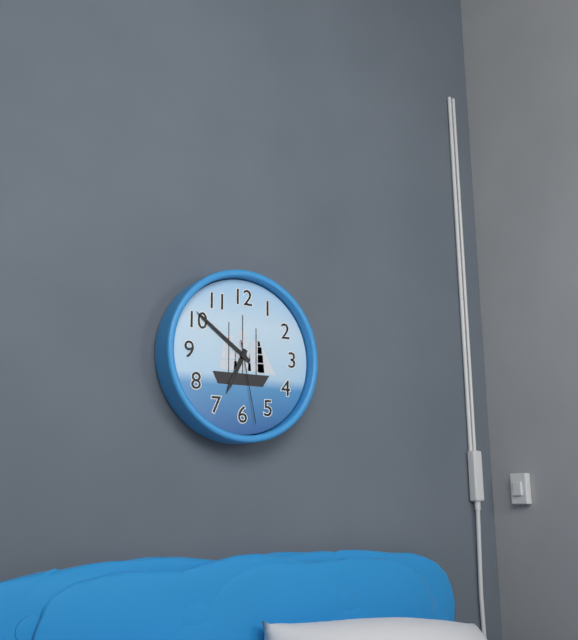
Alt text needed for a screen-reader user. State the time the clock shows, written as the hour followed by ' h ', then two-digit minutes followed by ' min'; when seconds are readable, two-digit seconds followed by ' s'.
6 h 51 min 28 s
